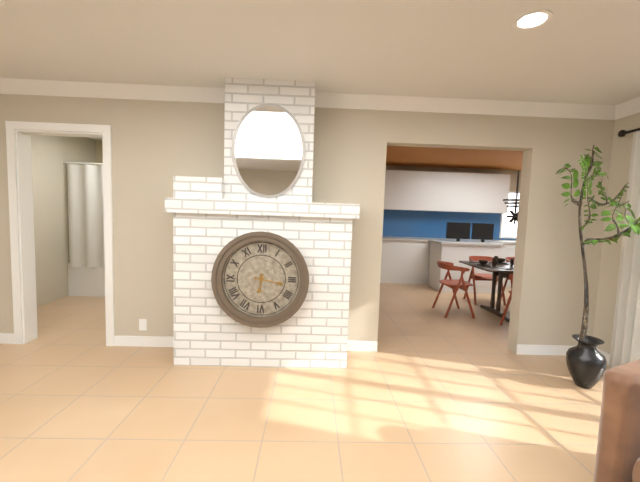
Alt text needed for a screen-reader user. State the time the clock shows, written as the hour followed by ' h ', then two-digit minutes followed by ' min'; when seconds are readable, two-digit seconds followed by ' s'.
6 h 17 min
